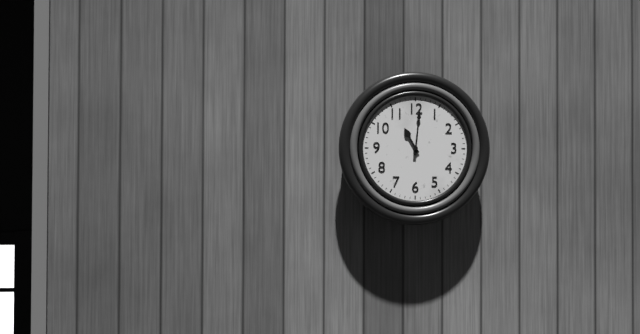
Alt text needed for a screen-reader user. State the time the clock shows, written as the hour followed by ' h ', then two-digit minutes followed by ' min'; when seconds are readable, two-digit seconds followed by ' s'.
11 h 01 min
